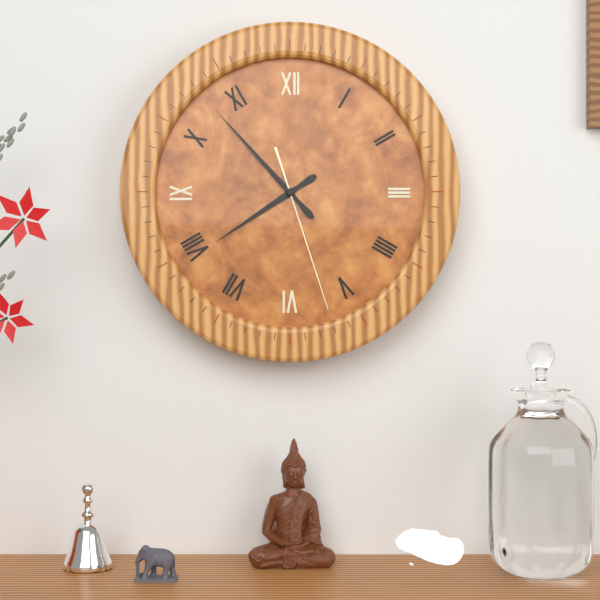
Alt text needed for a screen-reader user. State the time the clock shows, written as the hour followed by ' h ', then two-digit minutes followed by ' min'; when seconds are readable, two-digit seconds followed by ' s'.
7 h 53 min 27 s
